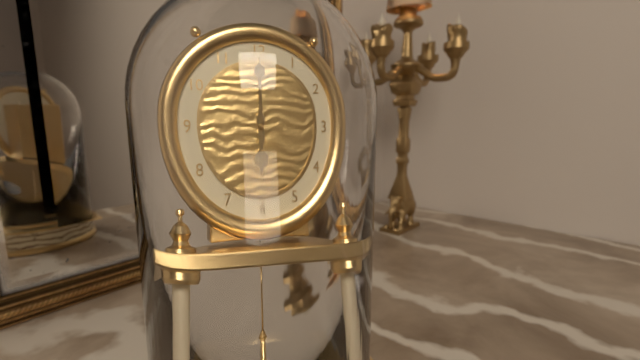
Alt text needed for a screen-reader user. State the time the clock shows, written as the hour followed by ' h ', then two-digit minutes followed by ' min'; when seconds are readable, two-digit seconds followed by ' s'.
6 h 00 min
